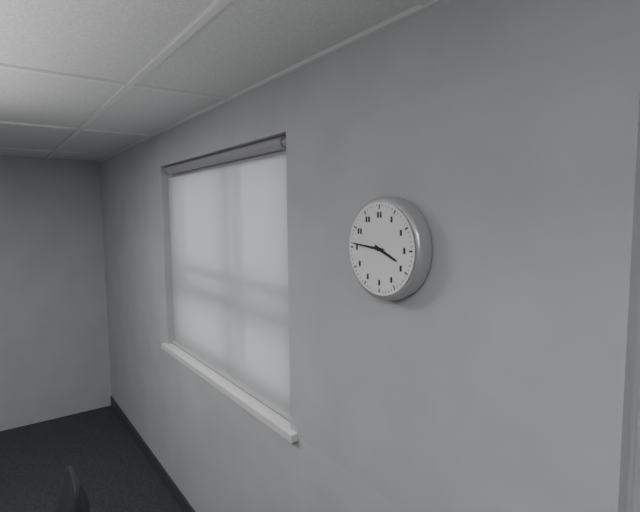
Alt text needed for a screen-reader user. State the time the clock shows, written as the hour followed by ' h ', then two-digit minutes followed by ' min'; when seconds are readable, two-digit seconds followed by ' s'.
3 h 46 min
